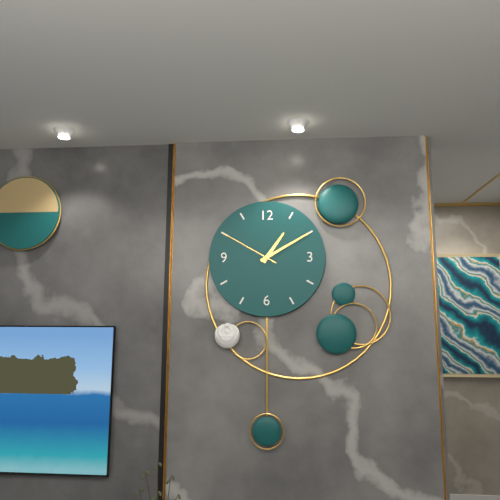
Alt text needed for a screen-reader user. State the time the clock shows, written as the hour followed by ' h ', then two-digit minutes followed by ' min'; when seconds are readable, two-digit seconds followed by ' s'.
1 h 10 min 50 s
